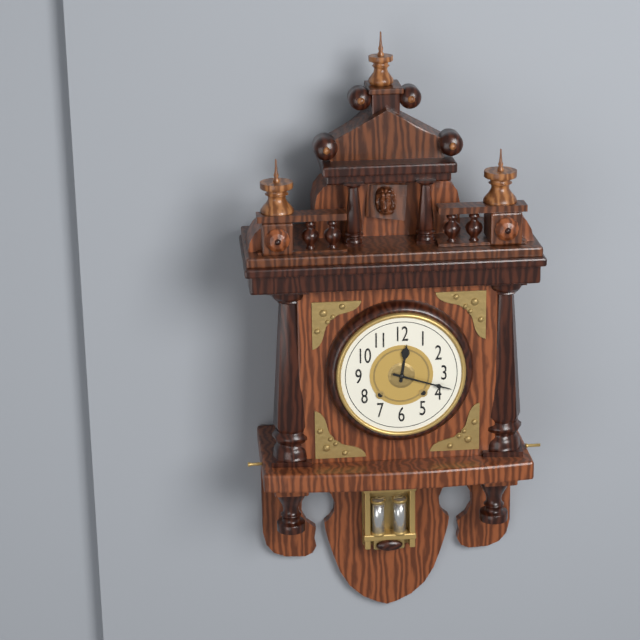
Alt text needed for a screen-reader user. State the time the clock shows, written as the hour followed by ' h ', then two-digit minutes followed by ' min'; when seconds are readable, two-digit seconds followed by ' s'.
12 h 18 min
